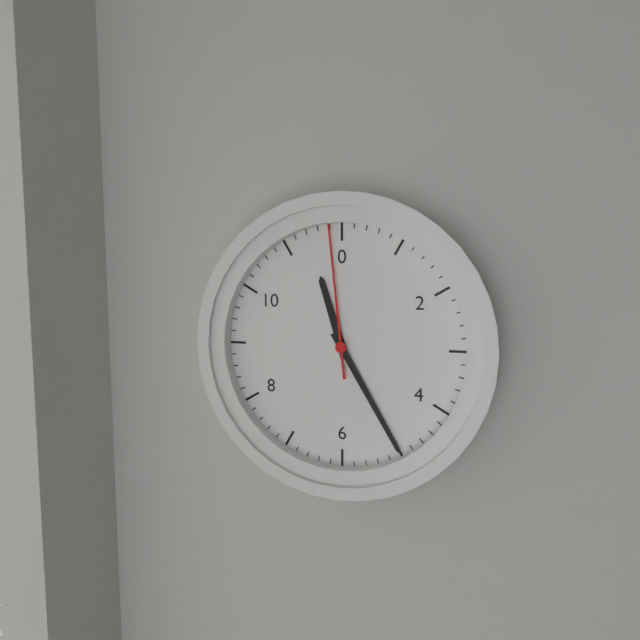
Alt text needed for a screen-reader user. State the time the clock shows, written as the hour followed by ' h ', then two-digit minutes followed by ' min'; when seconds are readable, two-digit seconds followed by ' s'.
11 h 25 min 59 s
